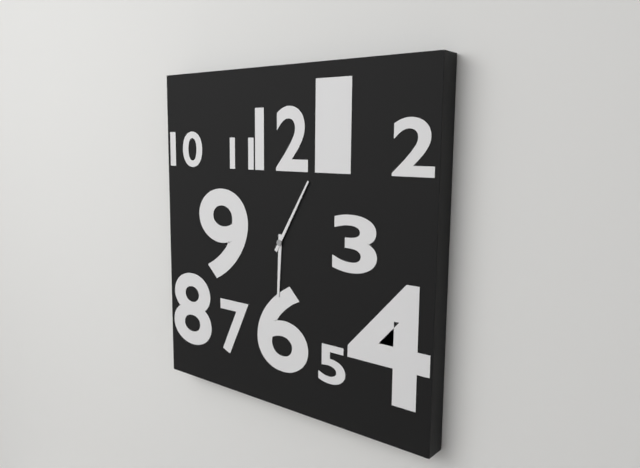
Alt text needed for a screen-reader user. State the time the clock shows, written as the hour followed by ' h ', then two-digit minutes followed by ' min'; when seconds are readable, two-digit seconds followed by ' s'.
6 h 05 min
